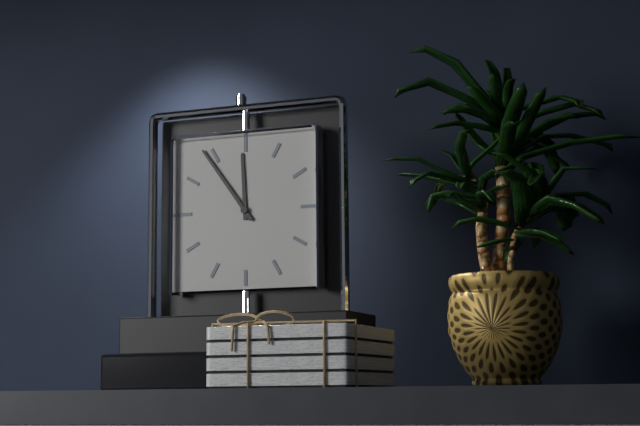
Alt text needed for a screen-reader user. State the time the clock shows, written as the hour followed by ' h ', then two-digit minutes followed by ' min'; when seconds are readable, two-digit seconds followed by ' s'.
11 h 54 min
